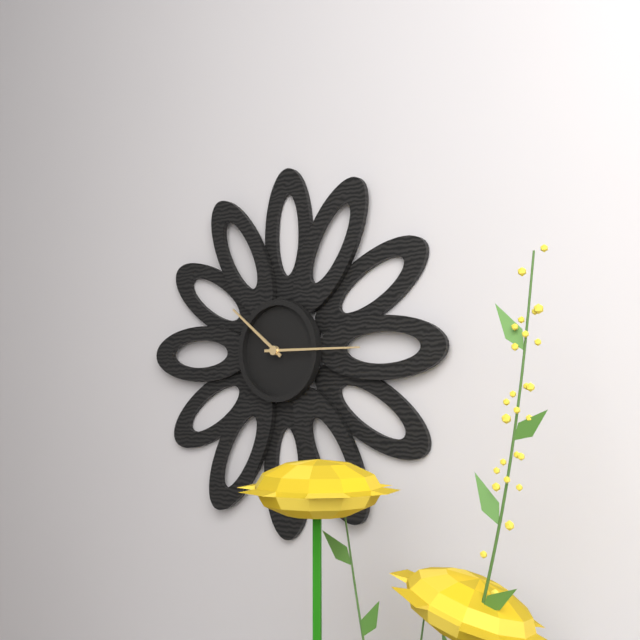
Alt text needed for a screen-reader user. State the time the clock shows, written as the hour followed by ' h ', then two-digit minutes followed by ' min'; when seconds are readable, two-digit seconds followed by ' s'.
10 h 15 min
